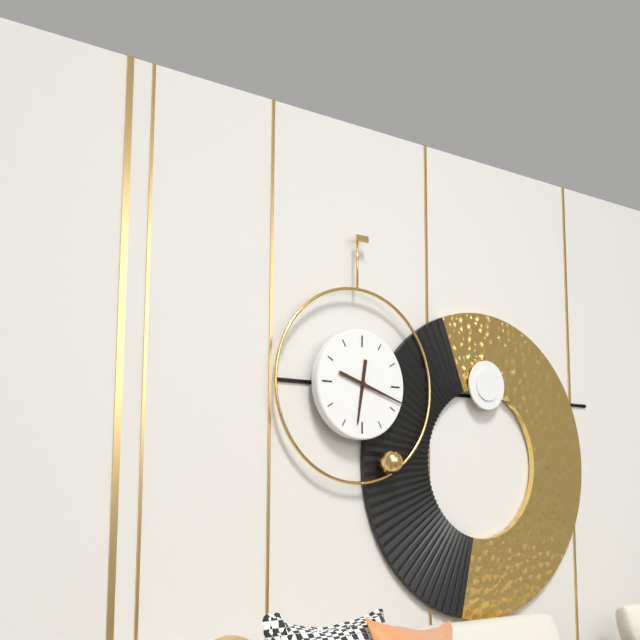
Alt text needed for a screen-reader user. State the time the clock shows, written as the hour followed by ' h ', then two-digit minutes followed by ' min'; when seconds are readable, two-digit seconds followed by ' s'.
6 h 18 min
